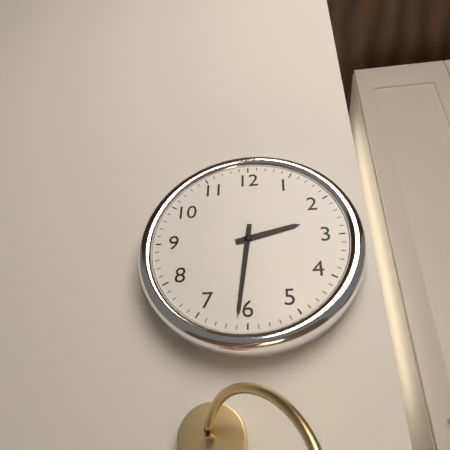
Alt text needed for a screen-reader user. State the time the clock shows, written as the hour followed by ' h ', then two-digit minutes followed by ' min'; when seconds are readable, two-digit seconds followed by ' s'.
2 h 31 min
